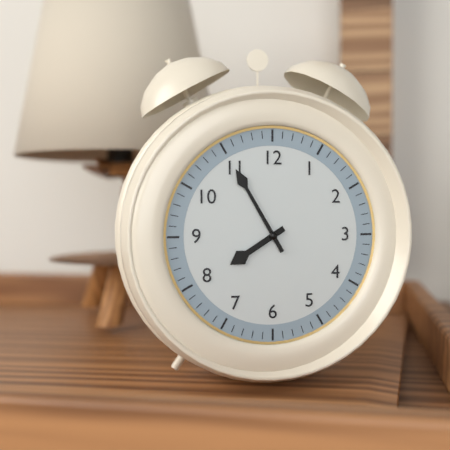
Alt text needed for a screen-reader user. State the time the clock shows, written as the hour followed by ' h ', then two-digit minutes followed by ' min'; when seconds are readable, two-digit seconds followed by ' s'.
7 h 55 min
